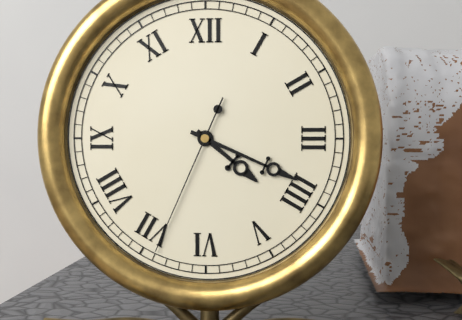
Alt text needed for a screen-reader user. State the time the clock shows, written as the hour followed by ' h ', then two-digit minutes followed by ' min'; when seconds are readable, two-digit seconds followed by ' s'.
4 h 19 min 34 s
